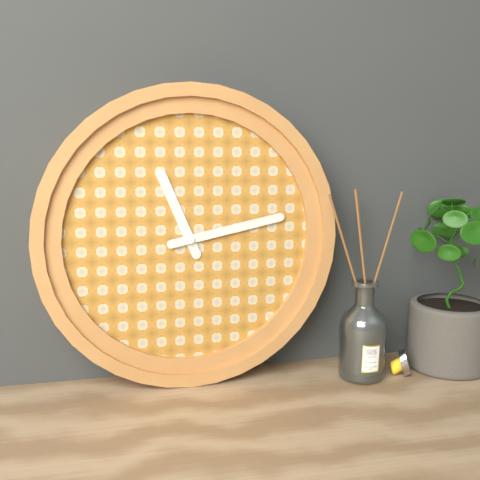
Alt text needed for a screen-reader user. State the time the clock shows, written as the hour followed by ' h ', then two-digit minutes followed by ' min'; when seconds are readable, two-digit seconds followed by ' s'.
11 h 13 min
